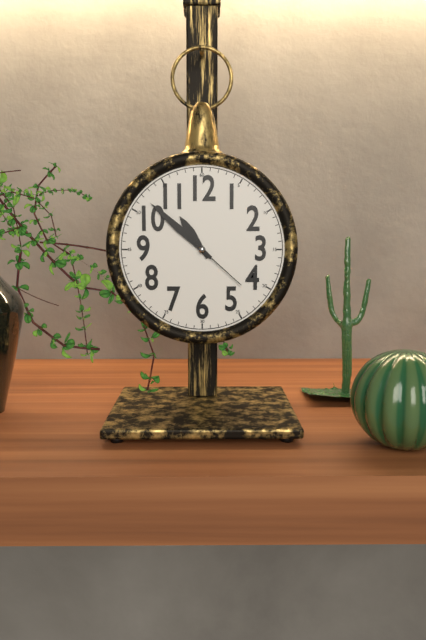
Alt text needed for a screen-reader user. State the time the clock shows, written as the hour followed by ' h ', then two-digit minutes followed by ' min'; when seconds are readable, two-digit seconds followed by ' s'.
10 h 52 min 22 s
